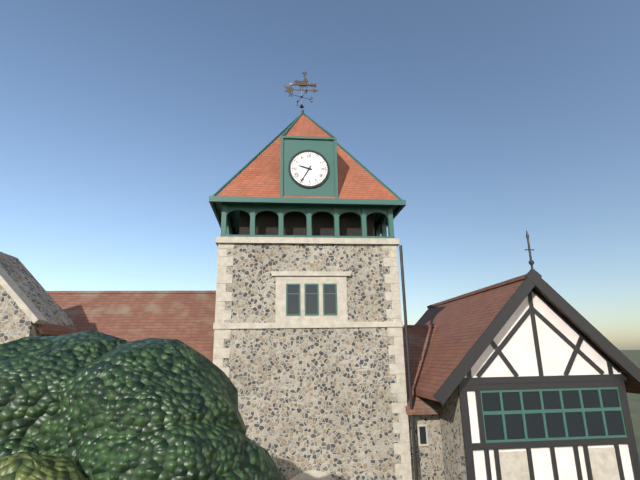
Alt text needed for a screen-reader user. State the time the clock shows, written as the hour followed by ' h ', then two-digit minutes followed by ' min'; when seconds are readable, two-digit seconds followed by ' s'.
9 h 35 min
